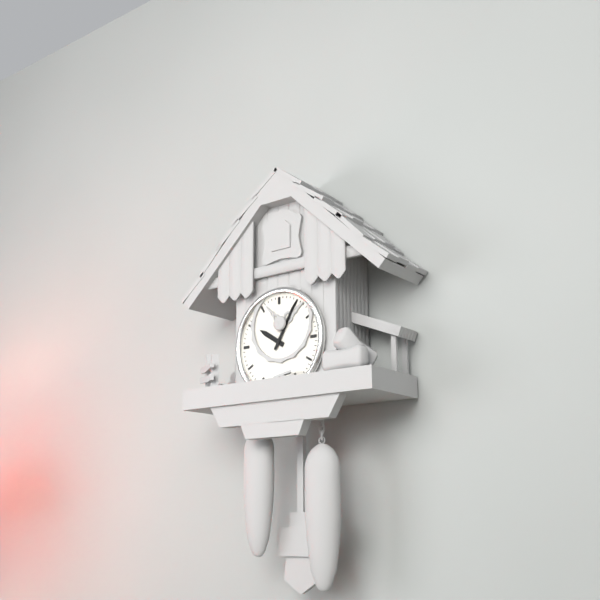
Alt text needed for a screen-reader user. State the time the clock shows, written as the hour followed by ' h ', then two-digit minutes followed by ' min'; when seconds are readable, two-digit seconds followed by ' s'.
10 h 05 min
